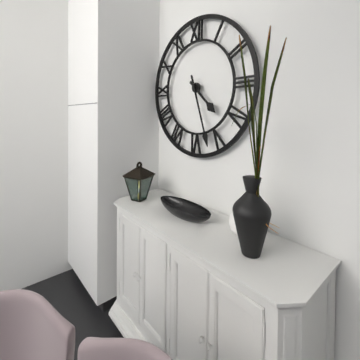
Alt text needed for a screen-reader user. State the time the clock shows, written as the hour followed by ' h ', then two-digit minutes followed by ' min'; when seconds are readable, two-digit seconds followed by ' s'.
4 h 27 min
